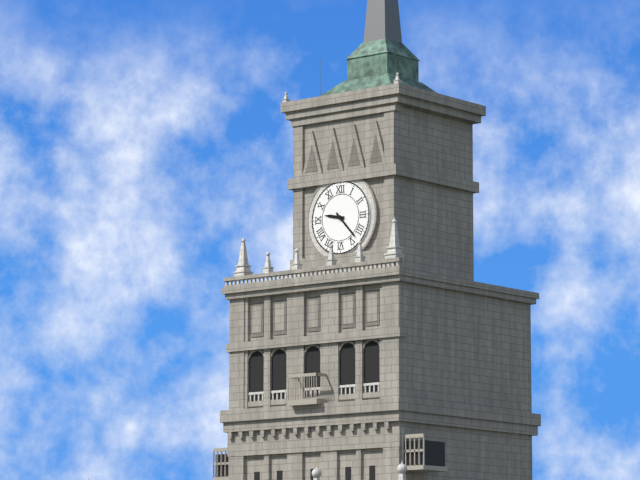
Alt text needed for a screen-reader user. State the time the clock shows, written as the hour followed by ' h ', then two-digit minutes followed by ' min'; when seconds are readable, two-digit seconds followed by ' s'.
9 h 23 min
